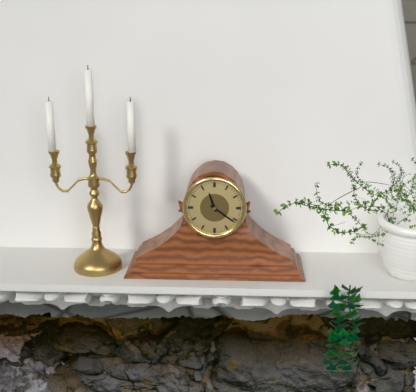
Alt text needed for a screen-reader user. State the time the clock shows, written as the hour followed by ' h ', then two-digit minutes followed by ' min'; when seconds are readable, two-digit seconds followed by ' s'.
11 h 21 min
